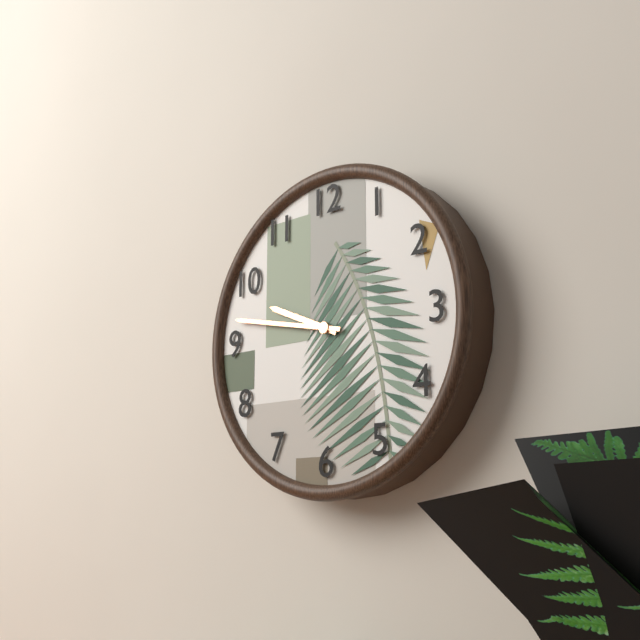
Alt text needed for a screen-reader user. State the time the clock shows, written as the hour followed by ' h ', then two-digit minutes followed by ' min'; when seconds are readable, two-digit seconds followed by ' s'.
9 h 47 min
